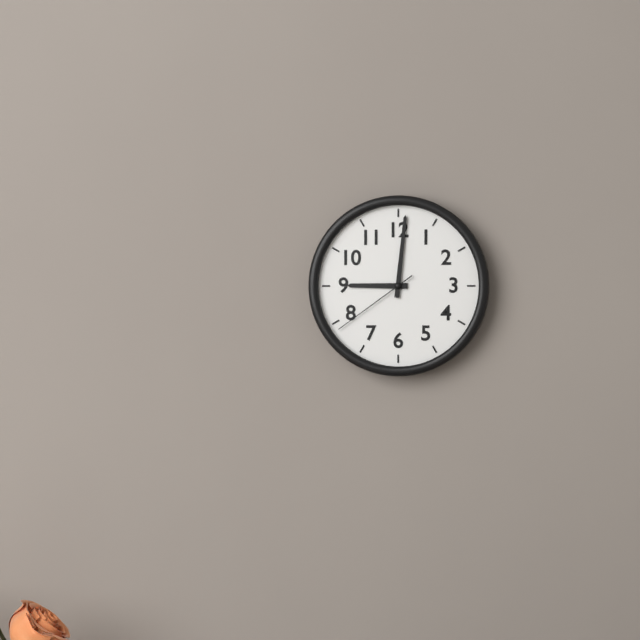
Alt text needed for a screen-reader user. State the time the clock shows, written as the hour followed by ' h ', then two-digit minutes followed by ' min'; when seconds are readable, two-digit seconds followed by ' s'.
9 h 01 min 39 s
